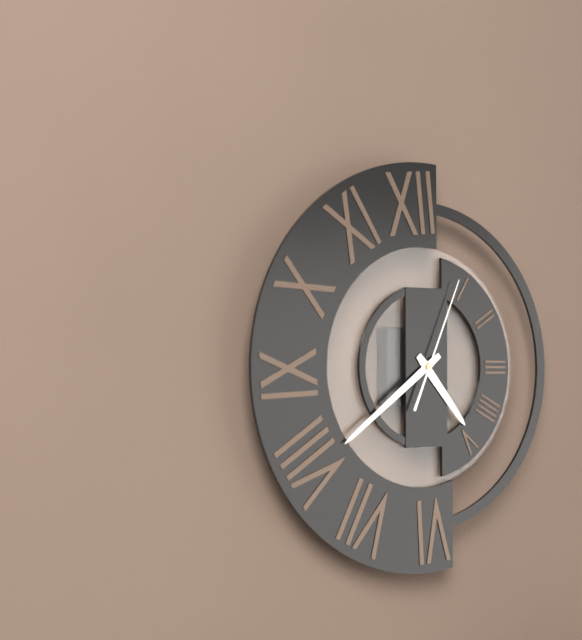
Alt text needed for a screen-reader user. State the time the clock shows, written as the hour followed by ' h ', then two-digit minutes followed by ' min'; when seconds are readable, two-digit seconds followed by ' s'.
4 h 39 min 04 s
